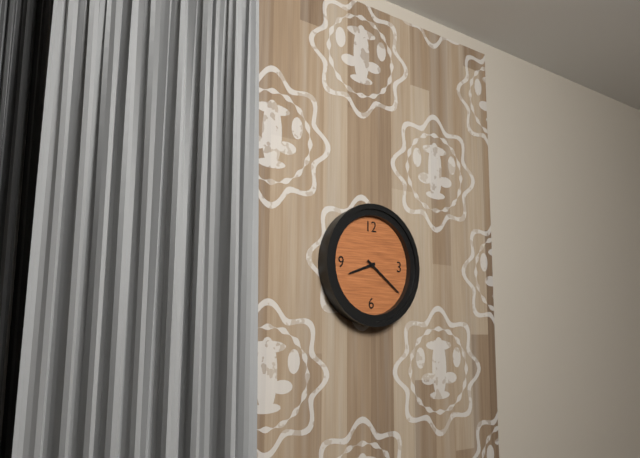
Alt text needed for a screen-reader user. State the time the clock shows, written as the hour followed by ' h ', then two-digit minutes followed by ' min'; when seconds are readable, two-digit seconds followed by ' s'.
8 h 21 min
